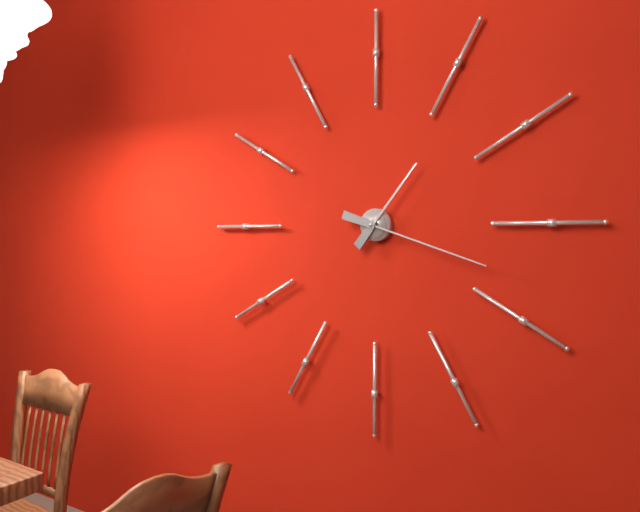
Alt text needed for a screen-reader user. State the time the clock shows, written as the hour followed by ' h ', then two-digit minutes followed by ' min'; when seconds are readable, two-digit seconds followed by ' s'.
1 h 18 min
